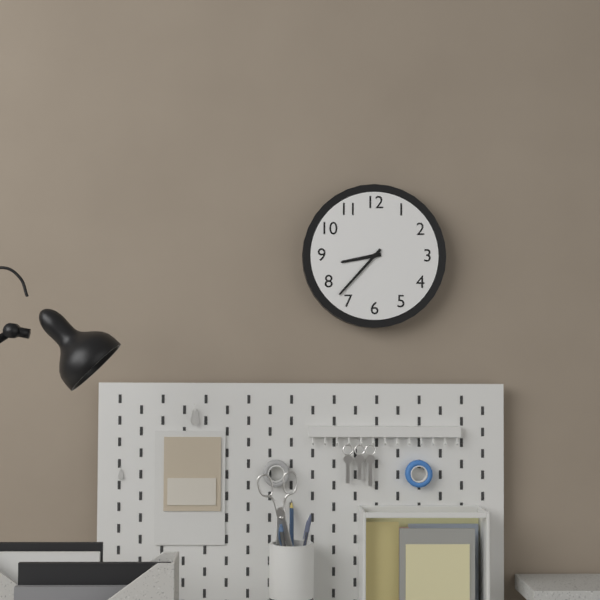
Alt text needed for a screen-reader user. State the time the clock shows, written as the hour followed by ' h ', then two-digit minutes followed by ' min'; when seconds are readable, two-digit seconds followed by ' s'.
8 h 37 min
